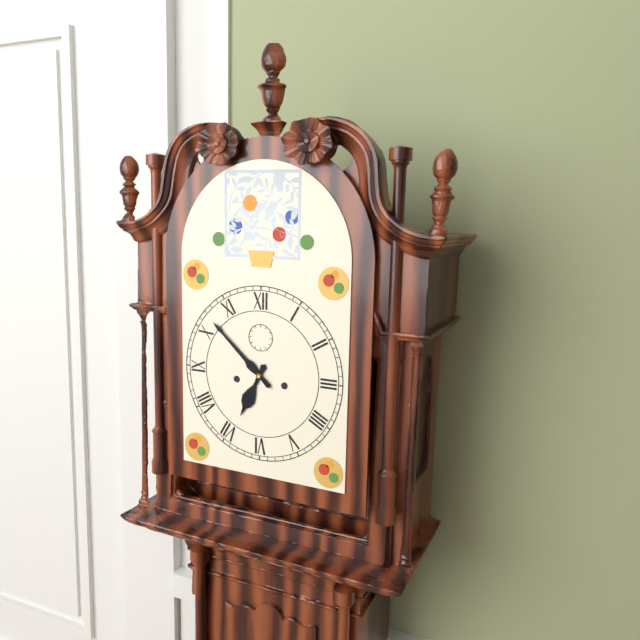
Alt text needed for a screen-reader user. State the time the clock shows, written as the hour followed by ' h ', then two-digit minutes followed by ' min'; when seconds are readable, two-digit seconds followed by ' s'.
6 h 52 min
